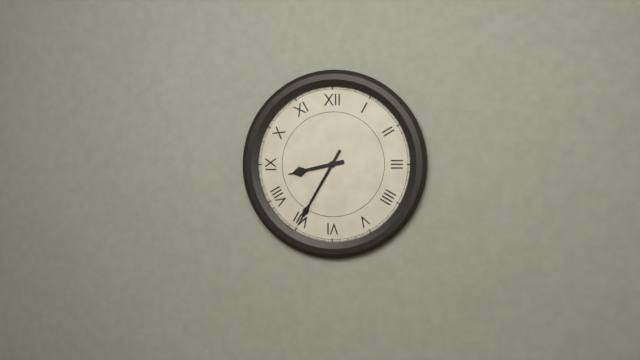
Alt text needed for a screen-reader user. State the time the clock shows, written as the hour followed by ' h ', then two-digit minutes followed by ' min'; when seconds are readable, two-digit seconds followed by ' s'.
8 h 35 min
